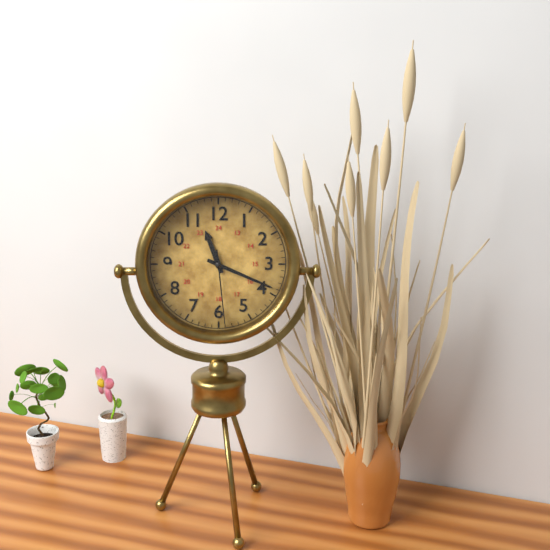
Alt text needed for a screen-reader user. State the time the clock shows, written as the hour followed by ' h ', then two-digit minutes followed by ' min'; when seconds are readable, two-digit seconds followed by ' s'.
11 h 19 min 29 s
